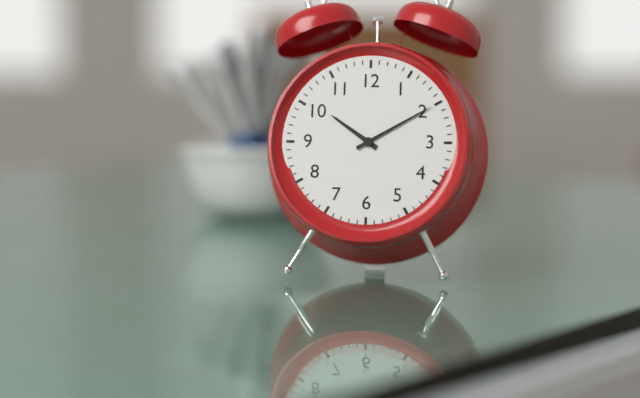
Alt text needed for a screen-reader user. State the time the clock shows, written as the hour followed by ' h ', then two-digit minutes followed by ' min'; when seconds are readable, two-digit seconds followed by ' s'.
10 h 10 min
